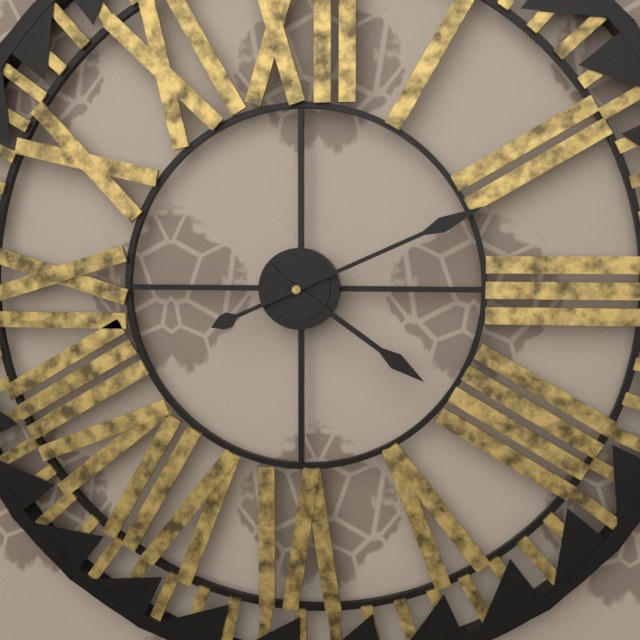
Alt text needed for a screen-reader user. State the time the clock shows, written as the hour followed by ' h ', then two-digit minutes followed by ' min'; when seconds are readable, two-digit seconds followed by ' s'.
4 h 11 min
